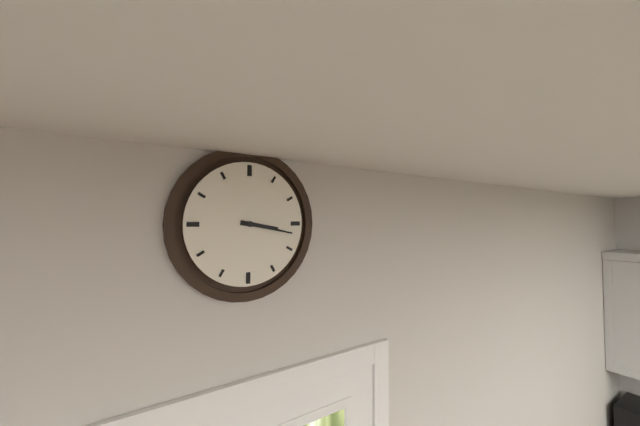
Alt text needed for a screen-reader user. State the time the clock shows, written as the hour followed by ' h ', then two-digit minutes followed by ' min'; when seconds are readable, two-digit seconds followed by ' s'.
3 h 17 min
